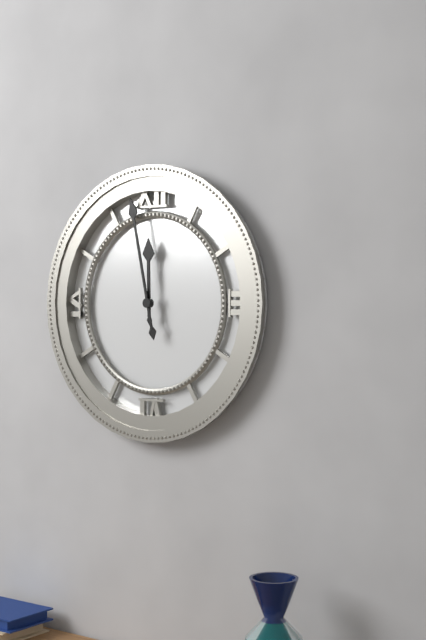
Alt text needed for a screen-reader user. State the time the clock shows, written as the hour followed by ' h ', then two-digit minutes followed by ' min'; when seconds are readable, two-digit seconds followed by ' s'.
11 h 58 min
